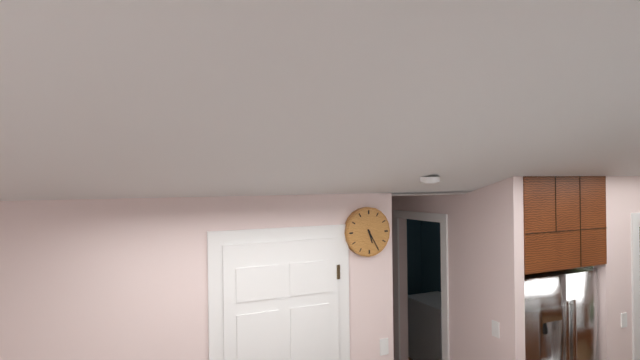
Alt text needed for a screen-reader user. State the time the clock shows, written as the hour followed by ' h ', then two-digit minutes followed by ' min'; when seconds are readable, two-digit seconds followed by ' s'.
5 h 25 min
